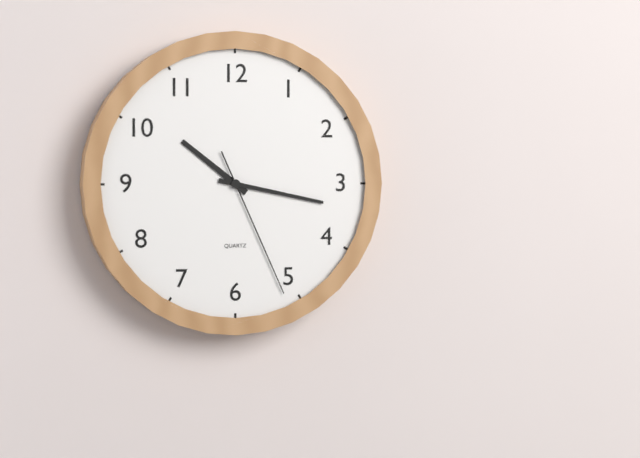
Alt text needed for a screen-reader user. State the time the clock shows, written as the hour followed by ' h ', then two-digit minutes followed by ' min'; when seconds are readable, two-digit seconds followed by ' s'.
10 h 17 min 26 s
